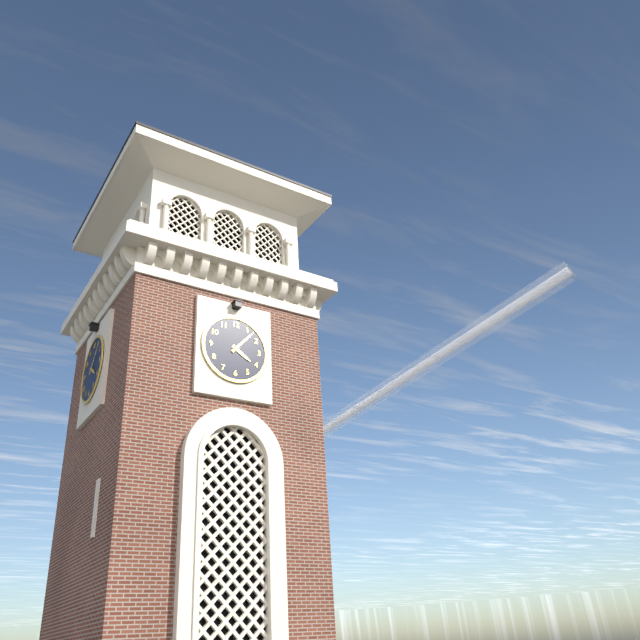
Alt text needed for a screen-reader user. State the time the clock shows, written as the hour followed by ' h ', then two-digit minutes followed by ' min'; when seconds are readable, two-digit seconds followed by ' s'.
4 h 07 min
